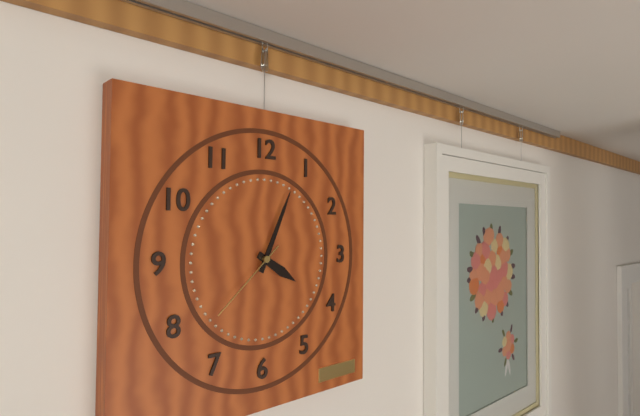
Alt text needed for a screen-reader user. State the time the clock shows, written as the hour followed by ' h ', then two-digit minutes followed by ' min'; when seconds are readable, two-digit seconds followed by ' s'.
4 h 04 min 38 s
